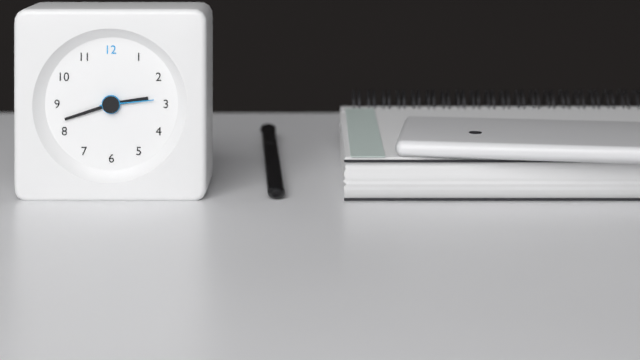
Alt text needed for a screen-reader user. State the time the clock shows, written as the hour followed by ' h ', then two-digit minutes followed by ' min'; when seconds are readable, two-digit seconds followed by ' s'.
2 h 42 min 14 s
